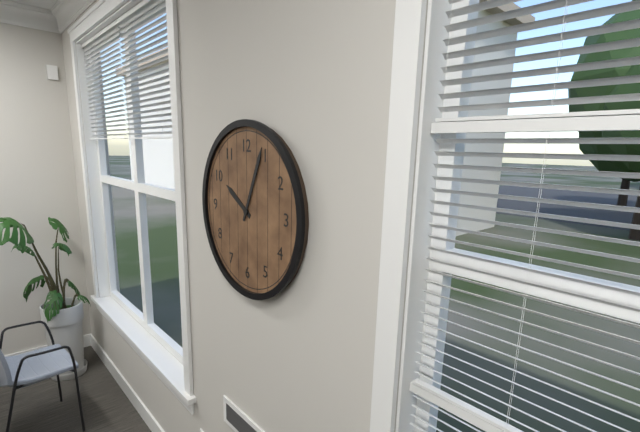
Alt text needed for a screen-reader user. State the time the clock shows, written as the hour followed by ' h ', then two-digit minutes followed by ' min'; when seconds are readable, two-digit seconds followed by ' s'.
10 h 04 min
